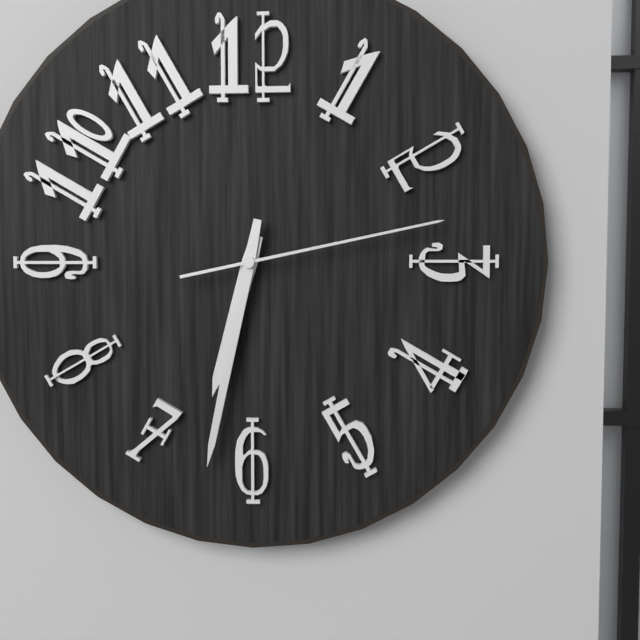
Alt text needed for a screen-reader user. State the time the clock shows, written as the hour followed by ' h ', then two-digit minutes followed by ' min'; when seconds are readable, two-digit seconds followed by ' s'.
6 h 32 min 13 s
